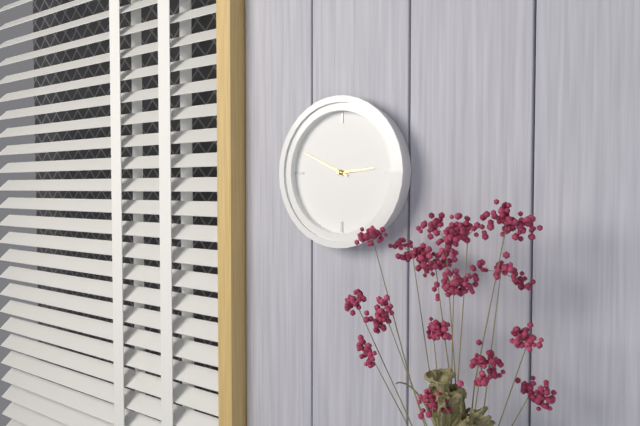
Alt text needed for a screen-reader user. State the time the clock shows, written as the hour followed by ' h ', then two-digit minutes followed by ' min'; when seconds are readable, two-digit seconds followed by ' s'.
2 h 49 min
